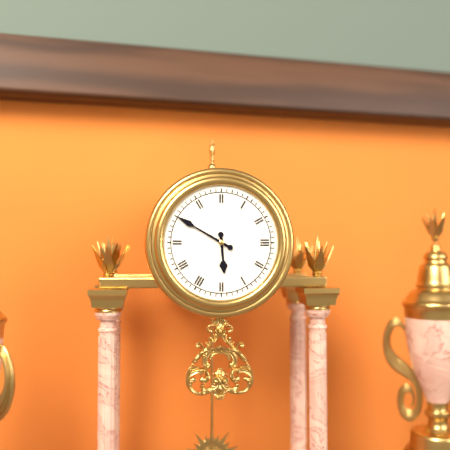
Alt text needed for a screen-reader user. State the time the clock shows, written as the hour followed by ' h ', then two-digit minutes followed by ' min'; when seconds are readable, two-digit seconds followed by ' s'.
5 h 50 min
